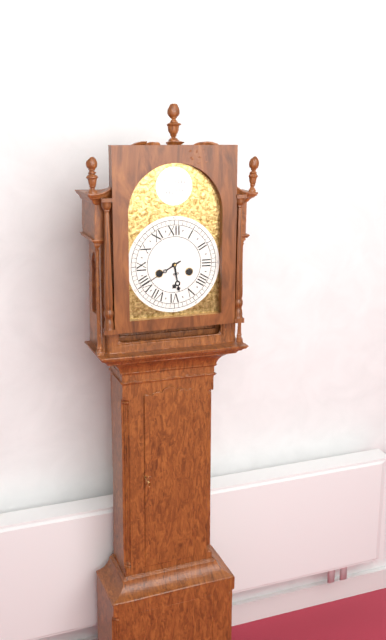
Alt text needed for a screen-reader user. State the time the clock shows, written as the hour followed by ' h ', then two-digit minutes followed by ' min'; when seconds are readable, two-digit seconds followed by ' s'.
5 h 40 min
